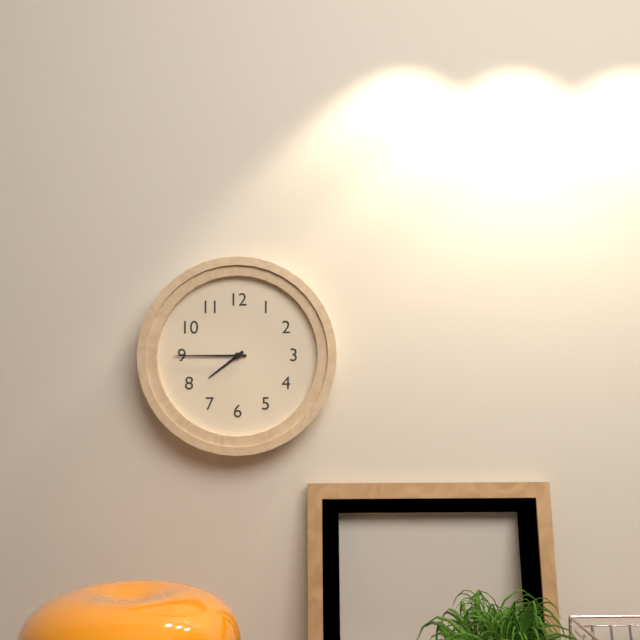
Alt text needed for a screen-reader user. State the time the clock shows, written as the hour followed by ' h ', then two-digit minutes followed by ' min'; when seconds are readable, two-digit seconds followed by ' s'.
7 h 45 min
